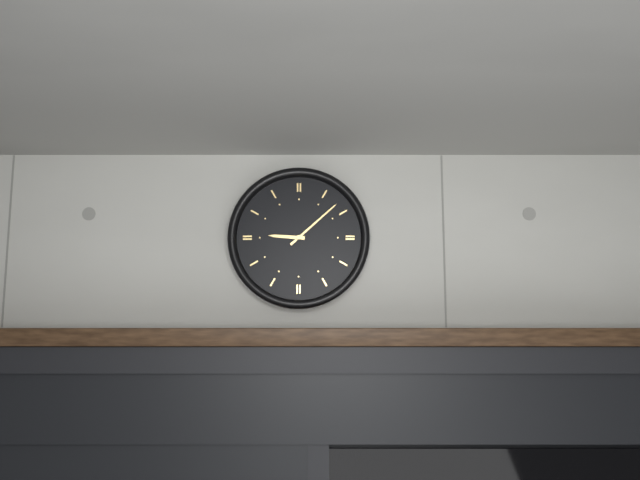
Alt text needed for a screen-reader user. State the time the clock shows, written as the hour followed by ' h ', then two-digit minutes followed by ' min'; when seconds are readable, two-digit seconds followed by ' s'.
9 h 08 min
